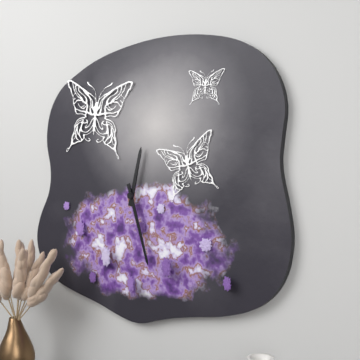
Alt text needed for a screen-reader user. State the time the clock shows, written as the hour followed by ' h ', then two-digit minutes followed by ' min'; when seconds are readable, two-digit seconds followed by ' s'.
12 h 27 min
